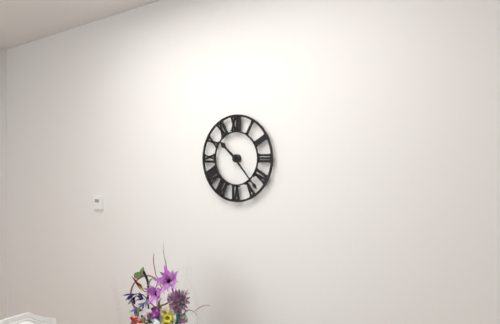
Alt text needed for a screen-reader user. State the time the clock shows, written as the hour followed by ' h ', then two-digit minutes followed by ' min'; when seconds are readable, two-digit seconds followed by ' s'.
10 h 23 min
